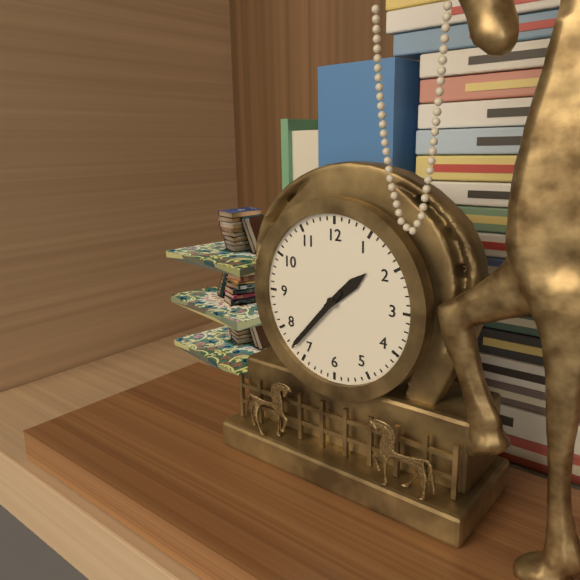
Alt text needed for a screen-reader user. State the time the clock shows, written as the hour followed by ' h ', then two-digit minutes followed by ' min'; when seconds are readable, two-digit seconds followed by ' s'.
1 h 37 min
